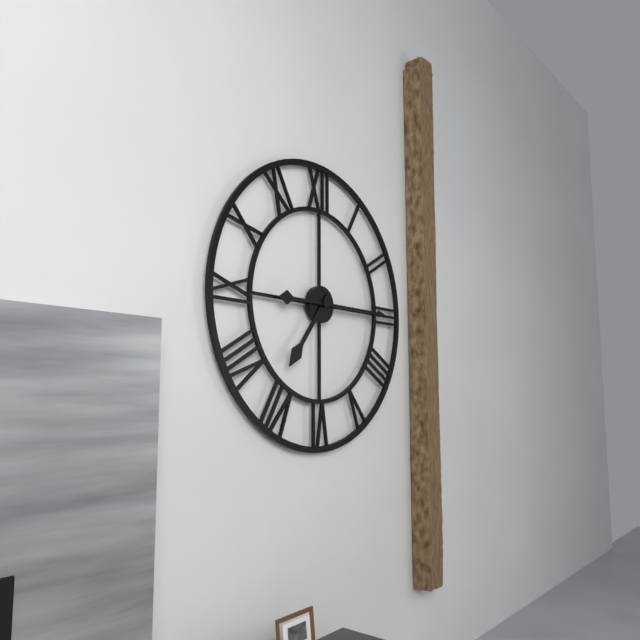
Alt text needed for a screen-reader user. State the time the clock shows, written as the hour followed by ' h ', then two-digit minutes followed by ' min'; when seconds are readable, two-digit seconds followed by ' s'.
7 h 15 min
